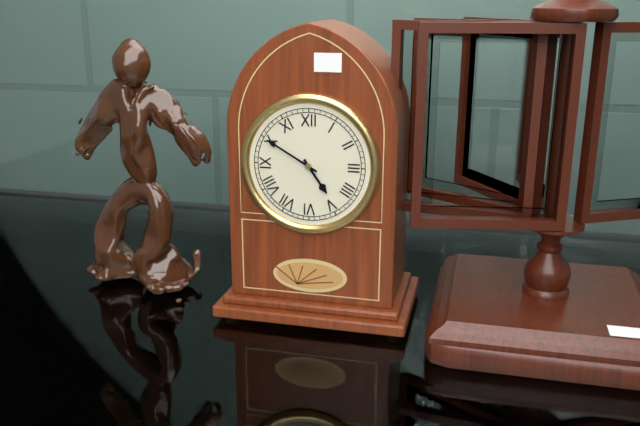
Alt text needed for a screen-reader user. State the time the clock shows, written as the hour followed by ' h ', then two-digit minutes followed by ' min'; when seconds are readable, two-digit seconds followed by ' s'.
4 h 50 min
